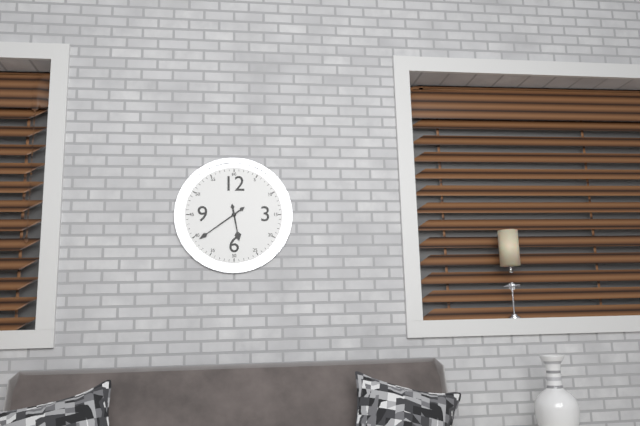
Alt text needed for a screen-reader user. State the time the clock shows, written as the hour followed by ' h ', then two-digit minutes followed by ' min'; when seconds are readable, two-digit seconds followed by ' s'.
5 h 39 min
